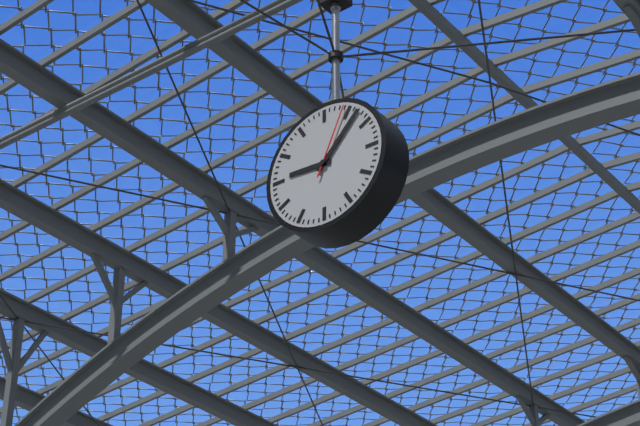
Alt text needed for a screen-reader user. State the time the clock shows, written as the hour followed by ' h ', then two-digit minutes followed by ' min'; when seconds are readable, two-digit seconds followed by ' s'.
9 h 07 min 04 s
